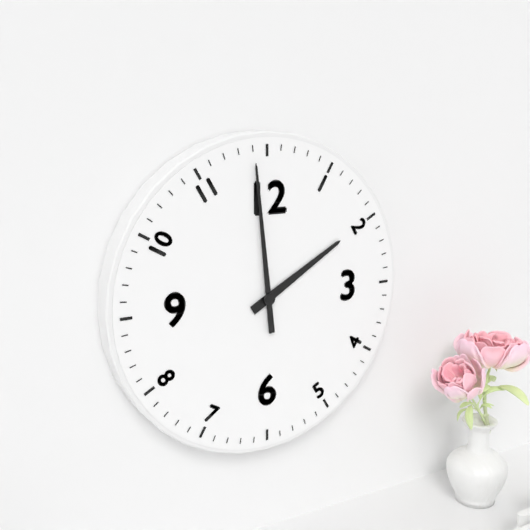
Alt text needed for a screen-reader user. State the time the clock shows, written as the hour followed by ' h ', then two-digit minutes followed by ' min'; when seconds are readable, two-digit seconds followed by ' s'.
1 h 59 min
